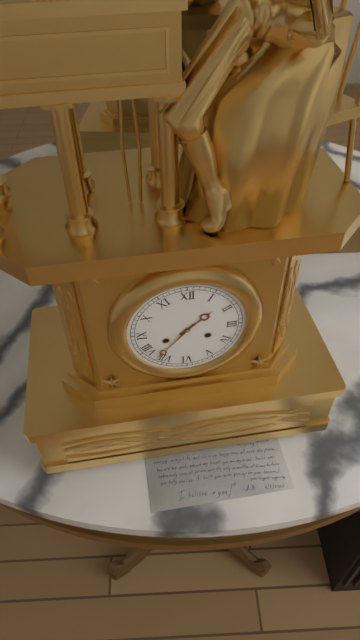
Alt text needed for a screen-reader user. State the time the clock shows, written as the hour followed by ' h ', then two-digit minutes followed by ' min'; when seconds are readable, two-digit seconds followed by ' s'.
1 h 37 min
